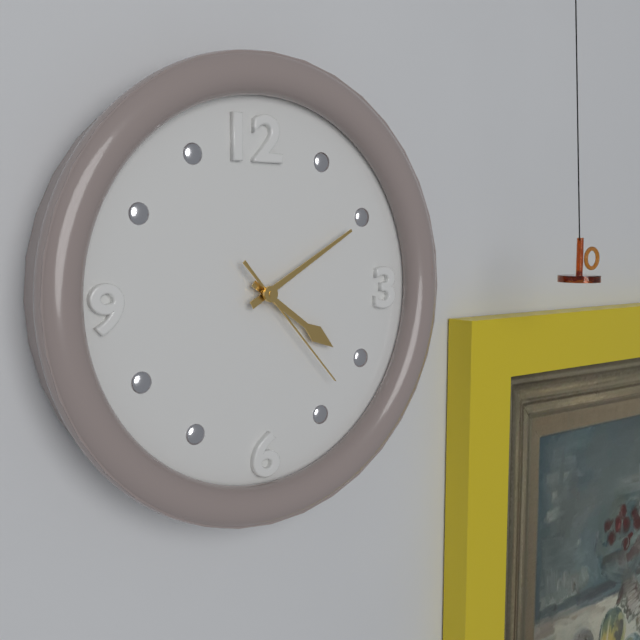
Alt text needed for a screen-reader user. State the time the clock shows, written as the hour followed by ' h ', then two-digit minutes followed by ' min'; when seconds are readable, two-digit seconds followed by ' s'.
4 h 10 min 23 s
